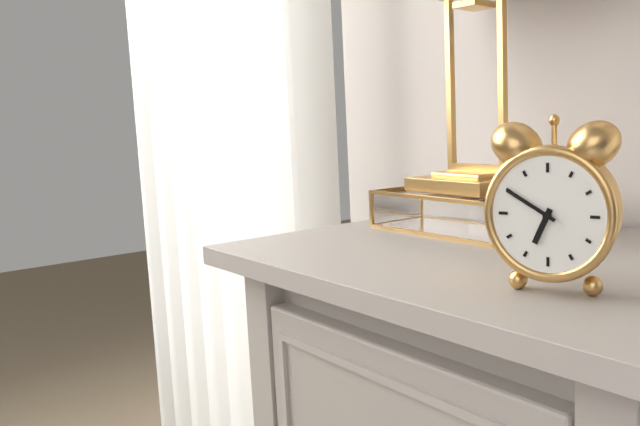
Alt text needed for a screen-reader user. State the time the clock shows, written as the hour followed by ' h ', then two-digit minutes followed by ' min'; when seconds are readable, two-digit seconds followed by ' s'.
6 h 50 min
